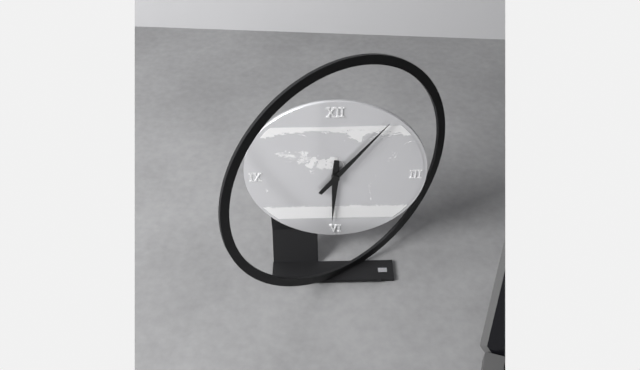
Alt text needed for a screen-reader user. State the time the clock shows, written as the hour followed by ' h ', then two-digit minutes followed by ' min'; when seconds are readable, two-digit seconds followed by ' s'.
6 h 06 min
